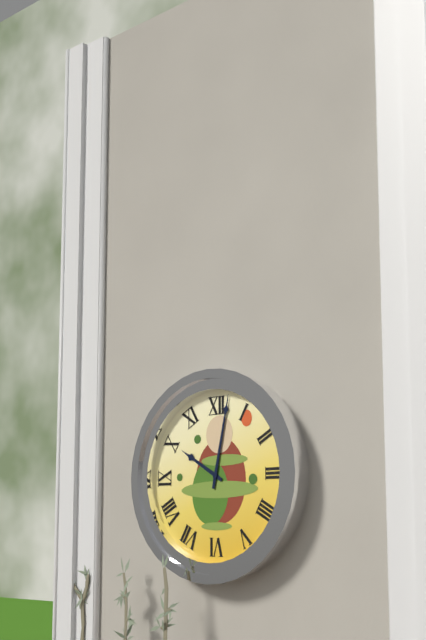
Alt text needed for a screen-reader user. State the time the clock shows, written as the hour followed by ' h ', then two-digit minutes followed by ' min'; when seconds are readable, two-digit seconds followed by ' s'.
10 h 02 min
